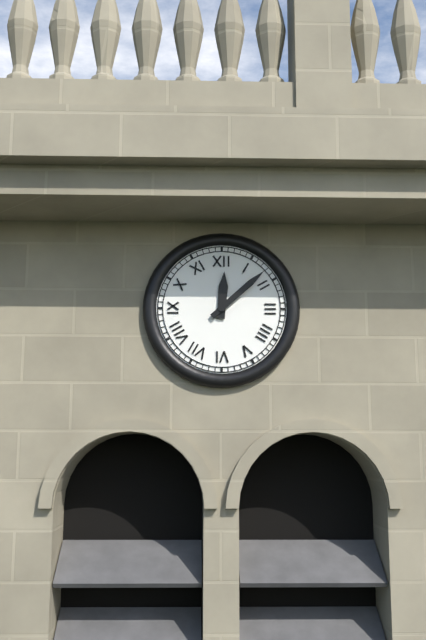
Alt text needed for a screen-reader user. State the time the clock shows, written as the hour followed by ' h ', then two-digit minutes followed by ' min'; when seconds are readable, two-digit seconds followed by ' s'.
12 h 08 min
